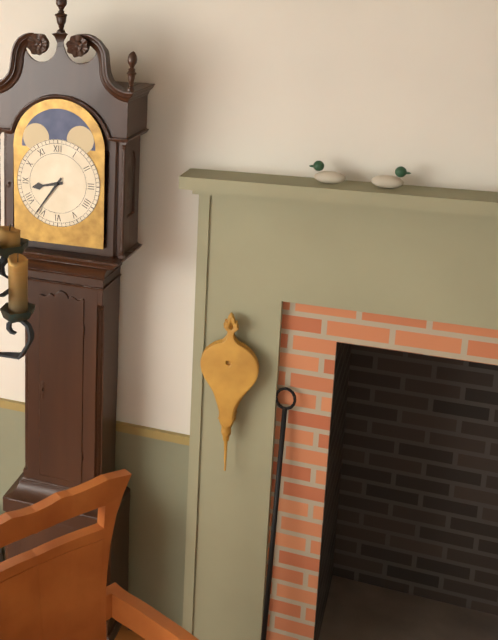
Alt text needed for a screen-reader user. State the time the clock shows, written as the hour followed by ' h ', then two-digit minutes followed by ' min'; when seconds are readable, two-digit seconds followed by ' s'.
8 h 36 min
